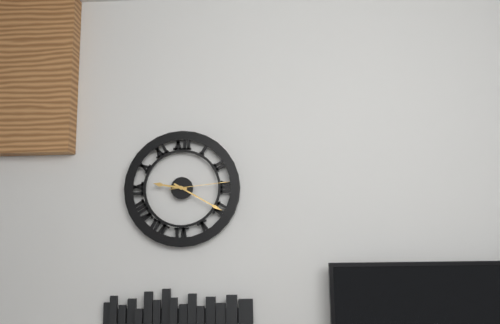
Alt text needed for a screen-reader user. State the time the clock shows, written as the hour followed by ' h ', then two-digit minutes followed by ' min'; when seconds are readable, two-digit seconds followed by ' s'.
9 h 20 min 14 s
